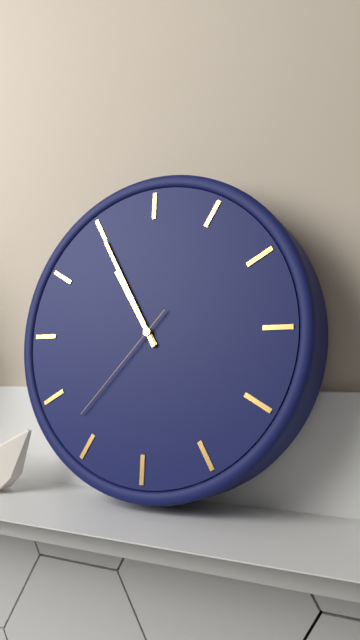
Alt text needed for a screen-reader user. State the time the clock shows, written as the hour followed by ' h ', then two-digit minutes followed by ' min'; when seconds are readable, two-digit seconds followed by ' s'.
10 h 55 min 37 s
